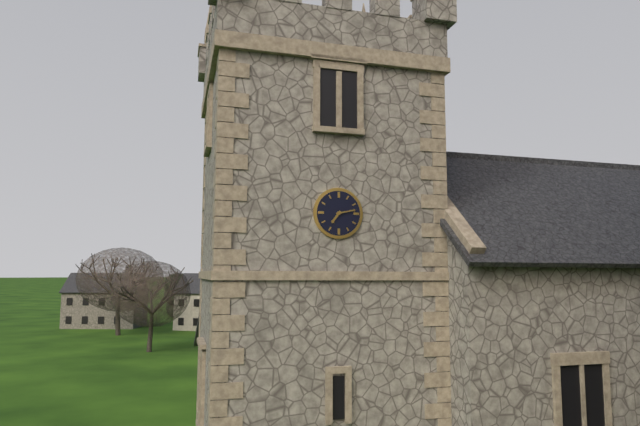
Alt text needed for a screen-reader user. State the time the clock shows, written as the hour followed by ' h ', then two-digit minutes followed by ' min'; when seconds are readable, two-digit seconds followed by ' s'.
7 h 13 min
